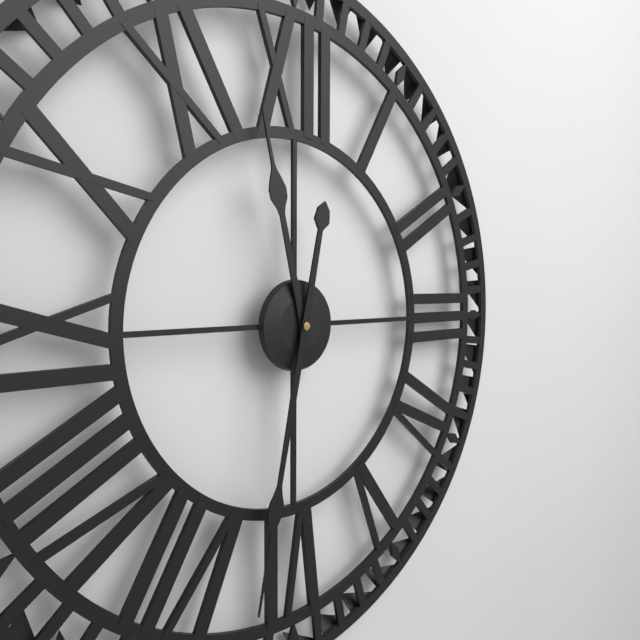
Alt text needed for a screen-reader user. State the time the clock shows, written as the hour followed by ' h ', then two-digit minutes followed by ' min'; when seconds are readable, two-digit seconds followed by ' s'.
11 h 32 min
